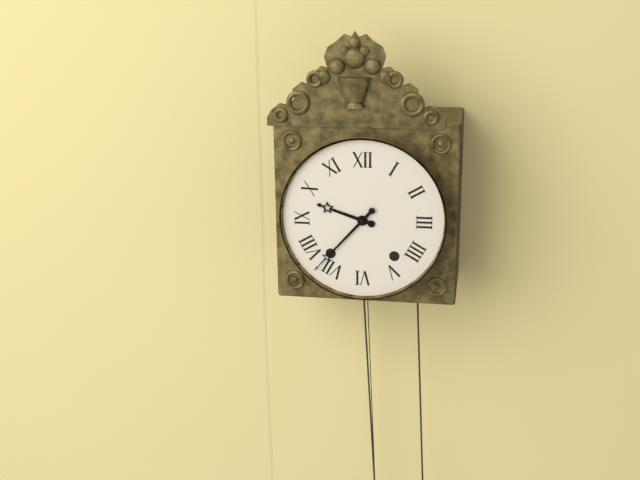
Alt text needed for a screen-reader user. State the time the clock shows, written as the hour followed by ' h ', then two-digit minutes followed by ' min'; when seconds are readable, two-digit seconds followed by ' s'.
9 h 37 min
